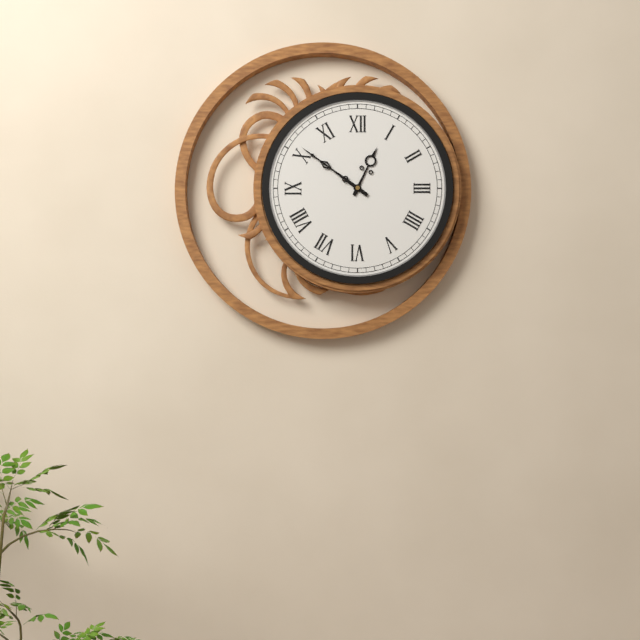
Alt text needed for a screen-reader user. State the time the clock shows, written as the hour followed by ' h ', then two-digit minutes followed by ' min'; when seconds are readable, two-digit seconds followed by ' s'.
12 h 51 min
